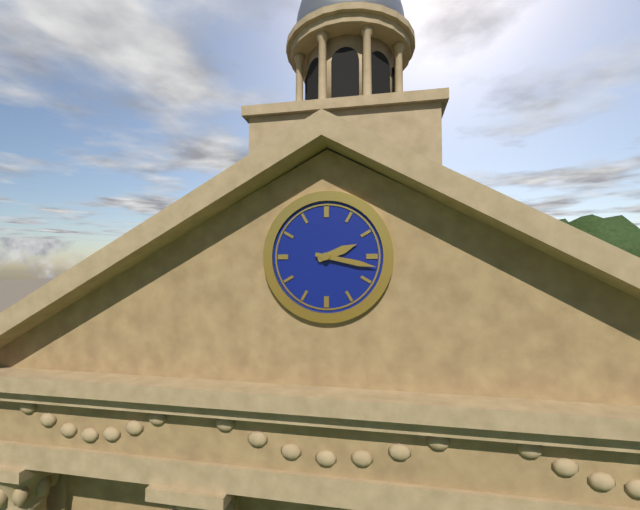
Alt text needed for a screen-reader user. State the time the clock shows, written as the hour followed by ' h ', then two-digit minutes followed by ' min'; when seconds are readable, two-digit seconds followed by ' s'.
2 h 17 min
